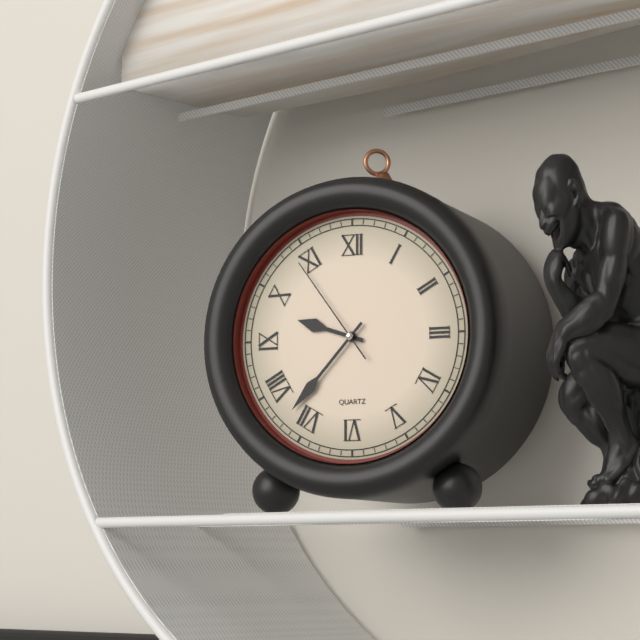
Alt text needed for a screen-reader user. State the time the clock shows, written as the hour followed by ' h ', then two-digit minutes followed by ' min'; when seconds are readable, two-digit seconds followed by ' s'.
9 h 37 min 54 s
